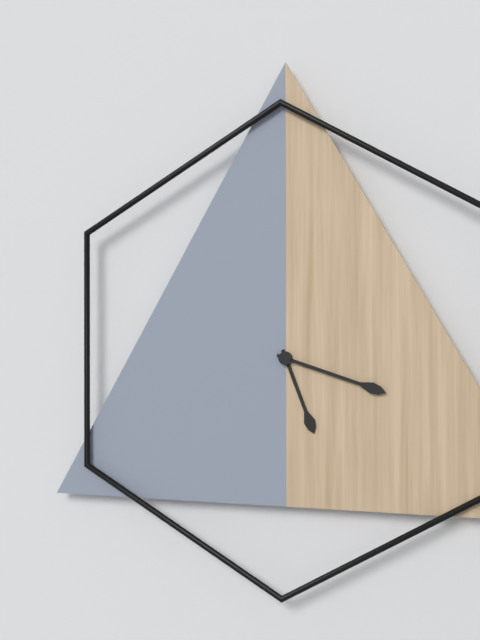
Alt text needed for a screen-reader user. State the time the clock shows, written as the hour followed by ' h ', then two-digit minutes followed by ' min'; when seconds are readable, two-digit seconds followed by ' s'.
5 h 18 min
